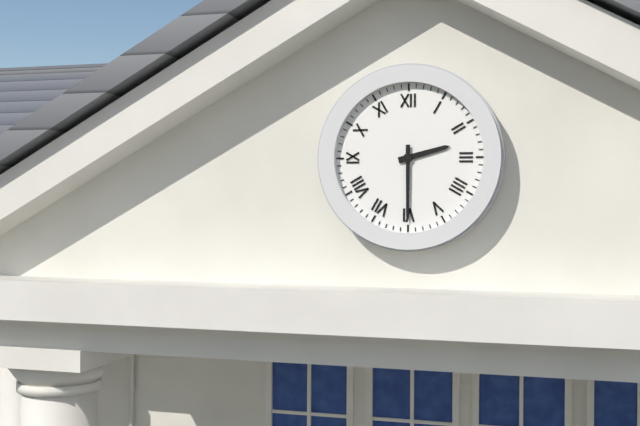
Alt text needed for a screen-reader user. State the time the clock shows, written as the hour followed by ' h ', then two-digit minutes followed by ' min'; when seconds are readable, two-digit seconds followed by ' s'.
2 h 30 min
